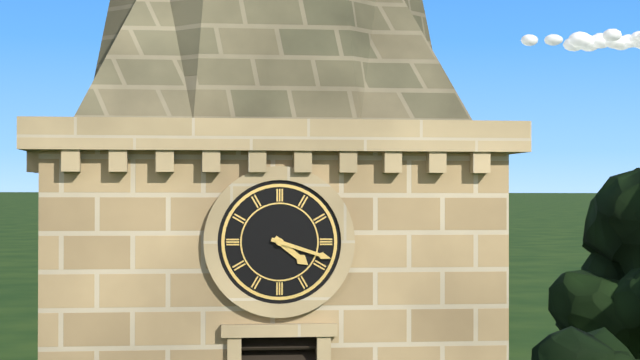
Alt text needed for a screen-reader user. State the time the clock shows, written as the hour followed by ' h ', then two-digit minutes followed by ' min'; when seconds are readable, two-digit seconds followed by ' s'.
4 h 18 min
